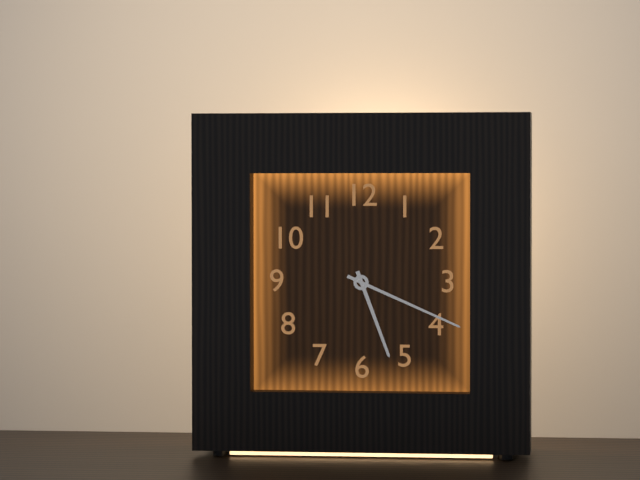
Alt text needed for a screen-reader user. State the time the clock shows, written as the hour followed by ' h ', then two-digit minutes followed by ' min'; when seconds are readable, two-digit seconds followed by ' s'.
5 h 19 min
